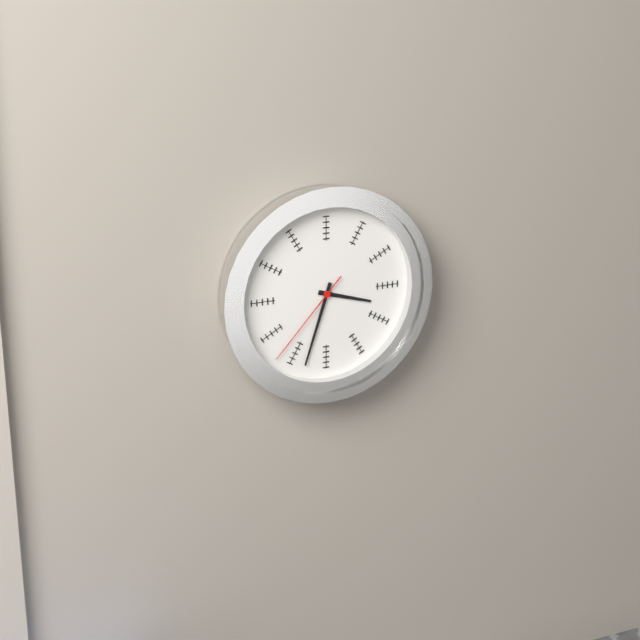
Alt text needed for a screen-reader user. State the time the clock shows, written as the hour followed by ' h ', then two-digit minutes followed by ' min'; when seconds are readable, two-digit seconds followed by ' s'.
3 h 33 min 37 s
